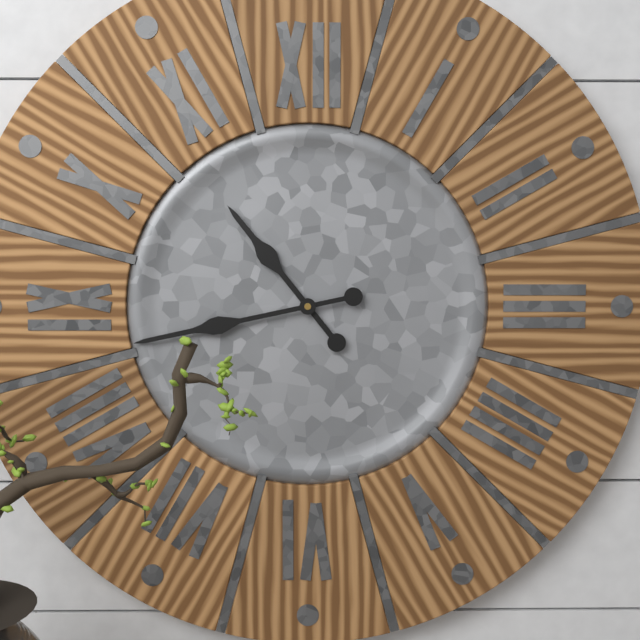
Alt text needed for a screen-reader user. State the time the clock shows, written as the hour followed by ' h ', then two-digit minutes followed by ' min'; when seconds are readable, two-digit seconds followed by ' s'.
10 h 43 min
